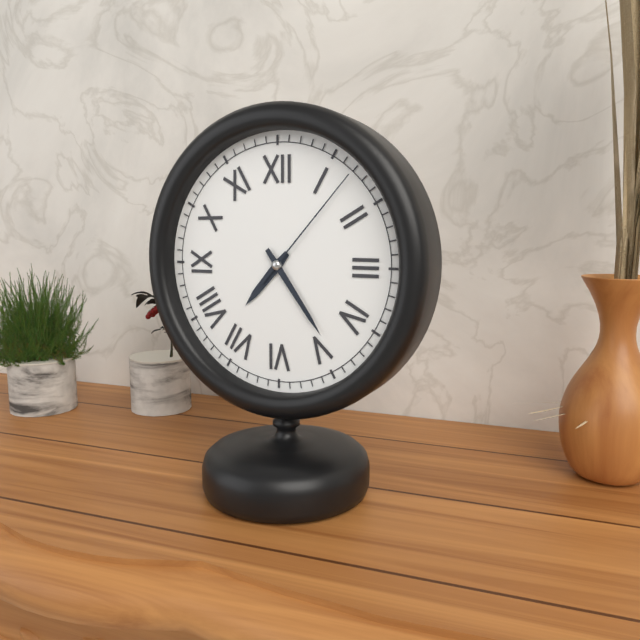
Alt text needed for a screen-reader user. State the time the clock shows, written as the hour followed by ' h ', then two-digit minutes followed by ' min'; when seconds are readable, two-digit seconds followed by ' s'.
7 h 24 min 07 s
